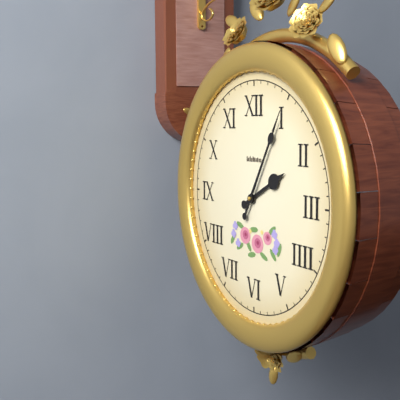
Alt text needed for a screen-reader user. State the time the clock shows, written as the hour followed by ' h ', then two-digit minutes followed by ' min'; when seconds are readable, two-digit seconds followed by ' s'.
2 h 05 min
